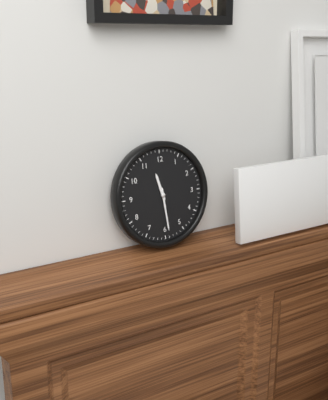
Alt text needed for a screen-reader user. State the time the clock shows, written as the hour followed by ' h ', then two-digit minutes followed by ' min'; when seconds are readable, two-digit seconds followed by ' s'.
11 h 29 min
